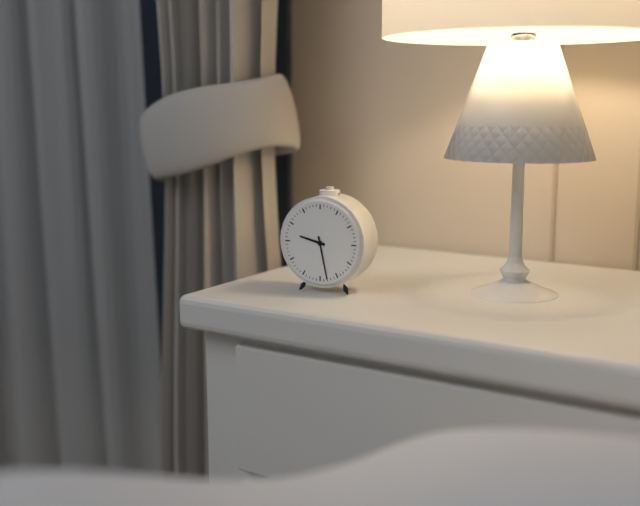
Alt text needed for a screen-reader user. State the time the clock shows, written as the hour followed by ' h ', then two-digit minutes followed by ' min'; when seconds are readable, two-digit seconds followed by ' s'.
9 h 28 min
